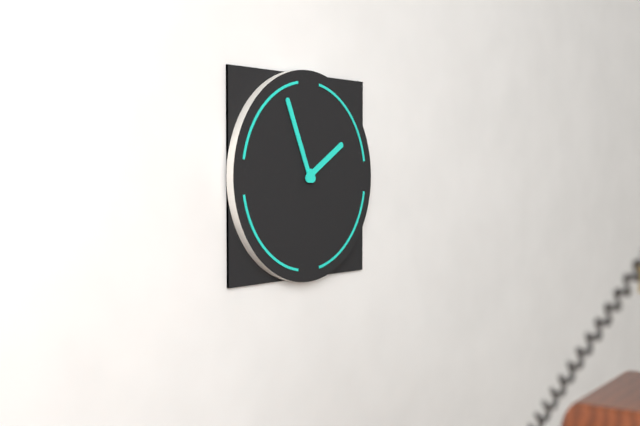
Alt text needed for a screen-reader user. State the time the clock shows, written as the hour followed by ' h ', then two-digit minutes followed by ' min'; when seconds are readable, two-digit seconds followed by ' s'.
1 h 56 min
